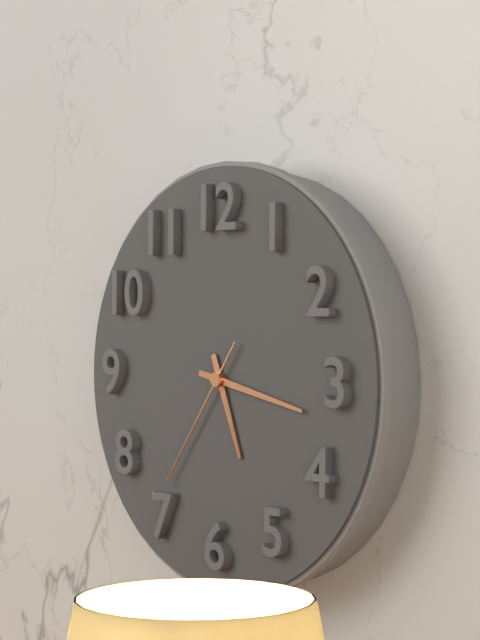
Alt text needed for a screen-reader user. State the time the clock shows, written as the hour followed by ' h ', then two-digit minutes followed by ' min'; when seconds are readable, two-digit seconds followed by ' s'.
5 h 17 min 36 s
